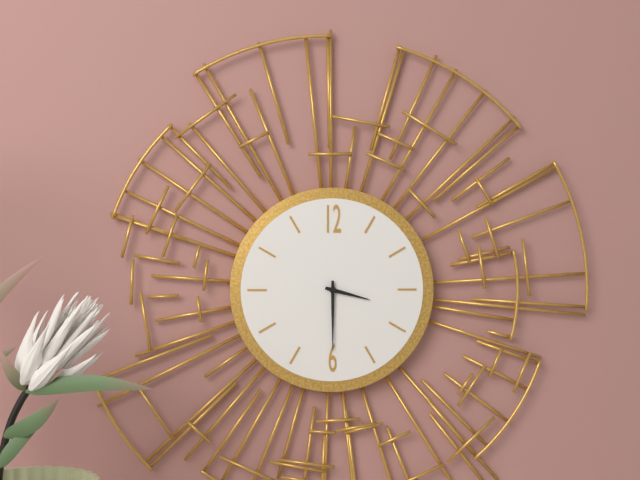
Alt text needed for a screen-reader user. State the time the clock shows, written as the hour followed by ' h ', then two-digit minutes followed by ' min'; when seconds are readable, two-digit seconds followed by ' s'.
3 h 30 min
